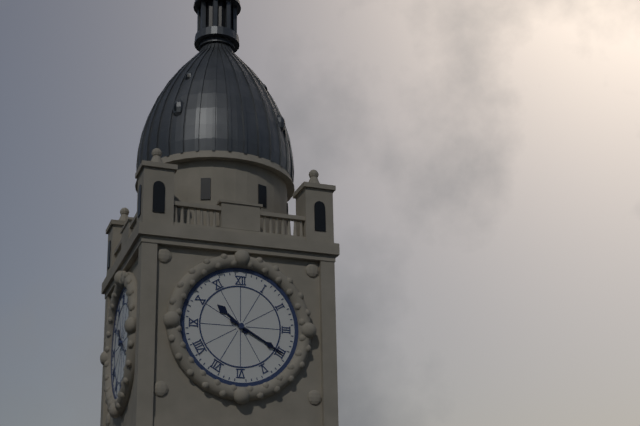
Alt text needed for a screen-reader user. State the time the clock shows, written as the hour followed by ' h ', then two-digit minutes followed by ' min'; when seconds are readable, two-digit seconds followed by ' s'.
10 h 20 min
